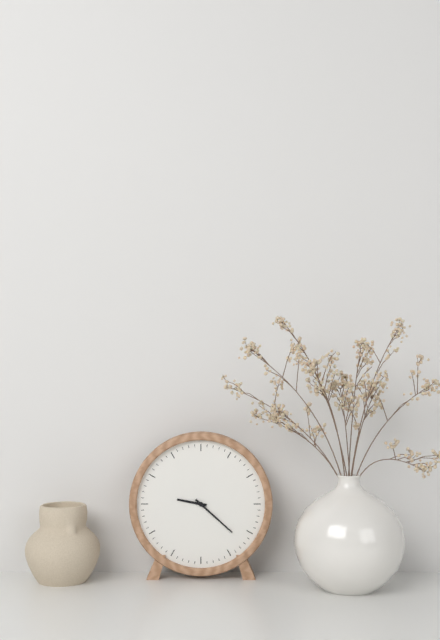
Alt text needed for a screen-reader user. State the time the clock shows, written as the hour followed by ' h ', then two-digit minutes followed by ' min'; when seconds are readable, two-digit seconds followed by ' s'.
9 h 22 min
